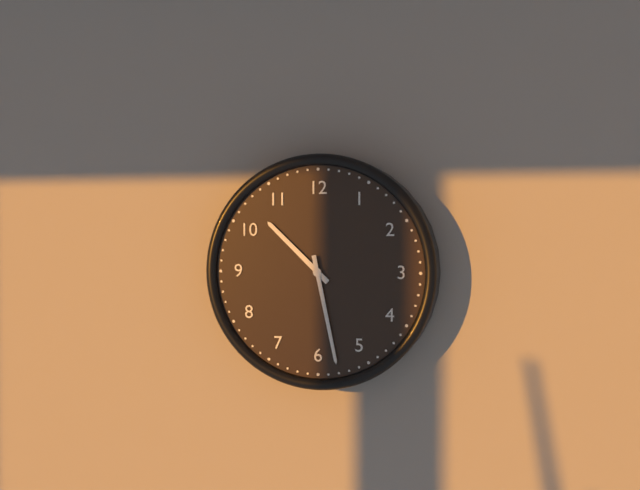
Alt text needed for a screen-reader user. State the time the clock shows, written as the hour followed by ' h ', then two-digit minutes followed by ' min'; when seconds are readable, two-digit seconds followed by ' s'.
10 h 28 min
